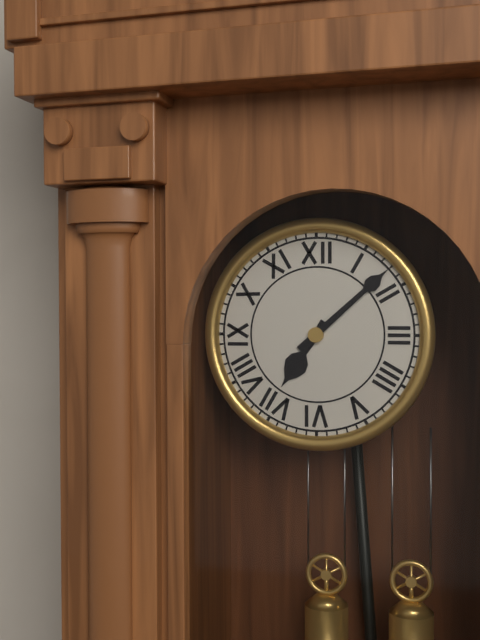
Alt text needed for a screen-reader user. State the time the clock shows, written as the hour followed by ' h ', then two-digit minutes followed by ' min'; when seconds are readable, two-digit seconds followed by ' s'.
7 h 08 min
